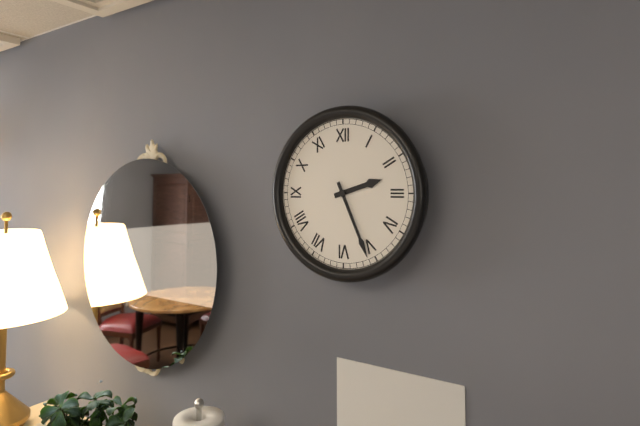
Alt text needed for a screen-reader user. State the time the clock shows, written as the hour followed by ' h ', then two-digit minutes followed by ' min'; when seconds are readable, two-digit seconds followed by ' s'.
2 h 26 min
